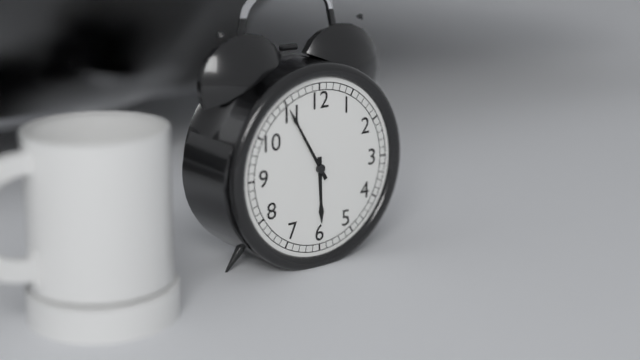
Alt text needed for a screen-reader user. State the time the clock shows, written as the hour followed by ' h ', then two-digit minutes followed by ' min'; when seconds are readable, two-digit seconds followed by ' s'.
5 h 55 min
